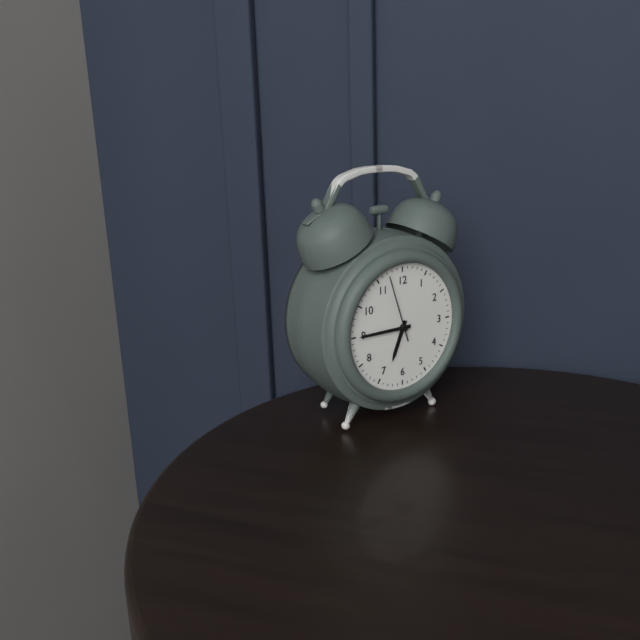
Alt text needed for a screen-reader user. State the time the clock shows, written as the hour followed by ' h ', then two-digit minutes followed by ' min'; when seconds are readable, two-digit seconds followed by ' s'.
6 h 45 min 57 s
